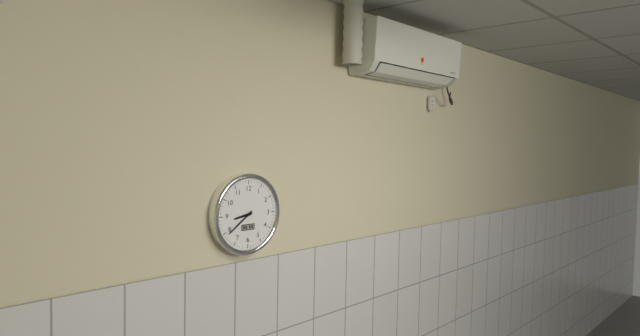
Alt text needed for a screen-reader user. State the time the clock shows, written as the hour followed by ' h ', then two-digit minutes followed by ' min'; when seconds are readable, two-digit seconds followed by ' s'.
8 h 39 min
